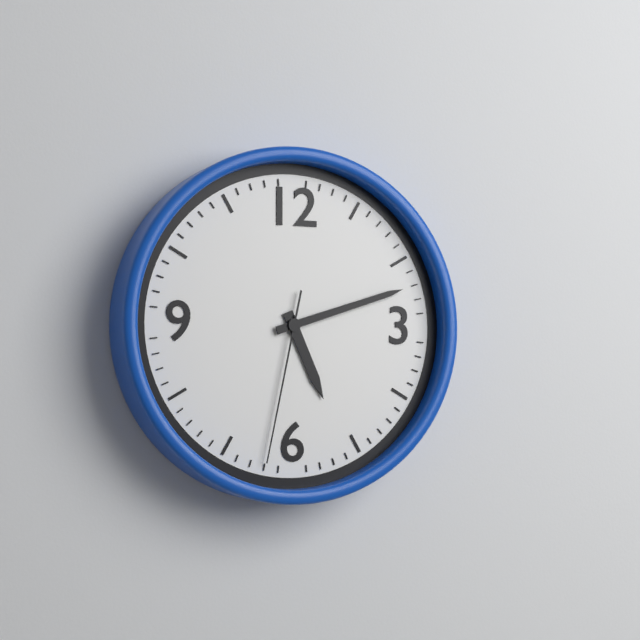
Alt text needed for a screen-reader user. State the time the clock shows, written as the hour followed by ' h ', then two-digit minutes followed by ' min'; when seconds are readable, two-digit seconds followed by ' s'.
5 h 12 min 32 s
